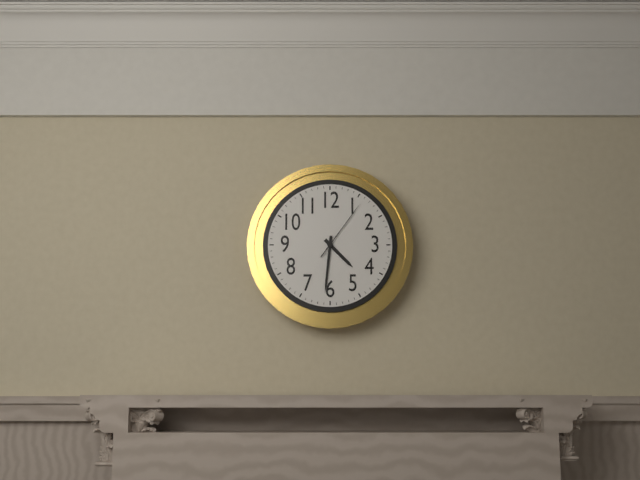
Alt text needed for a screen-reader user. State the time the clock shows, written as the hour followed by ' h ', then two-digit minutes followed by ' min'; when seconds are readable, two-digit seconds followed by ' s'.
4 h 31 min 06 s
